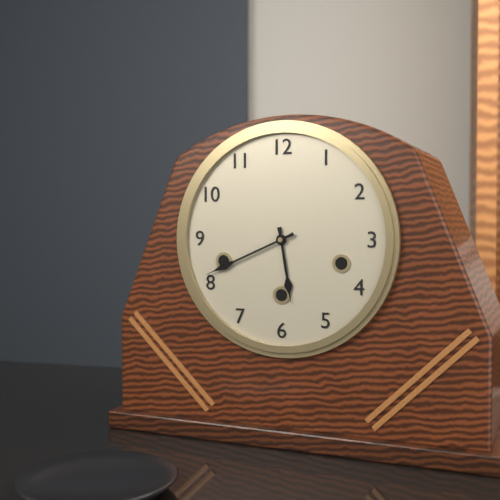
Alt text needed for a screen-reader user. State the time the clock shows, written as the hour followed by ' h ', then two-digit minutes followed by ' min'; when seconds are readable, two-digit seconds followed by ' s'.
5 h 41 min
